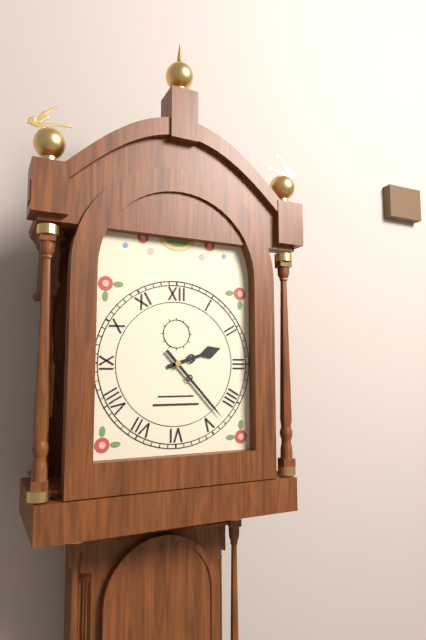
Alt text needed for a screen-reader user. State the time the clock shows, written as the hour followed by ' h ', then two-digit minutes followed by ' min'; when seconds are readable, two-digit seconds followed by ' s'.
2 h 23 min
